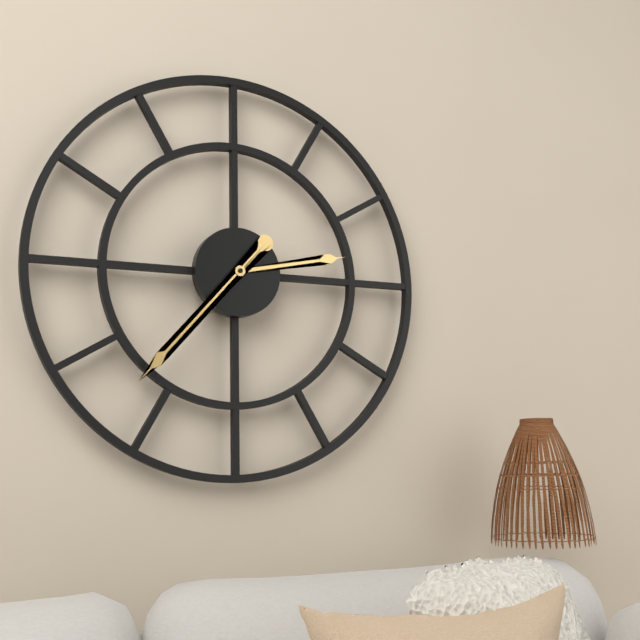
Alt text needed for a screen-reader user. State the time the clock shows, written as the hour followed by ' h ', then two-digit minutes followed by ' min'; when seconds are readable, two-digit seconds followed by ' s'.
2 h 37 min
